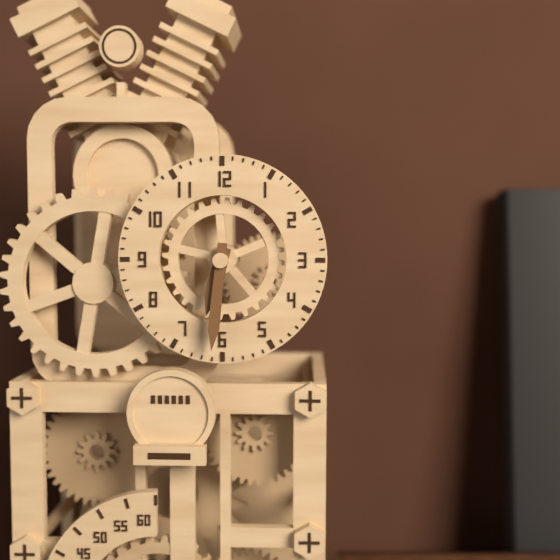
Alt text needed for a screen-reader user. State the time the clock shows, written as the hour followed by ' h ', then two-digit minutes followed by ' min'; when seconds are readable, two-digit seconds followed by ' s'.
6 h 31 min
